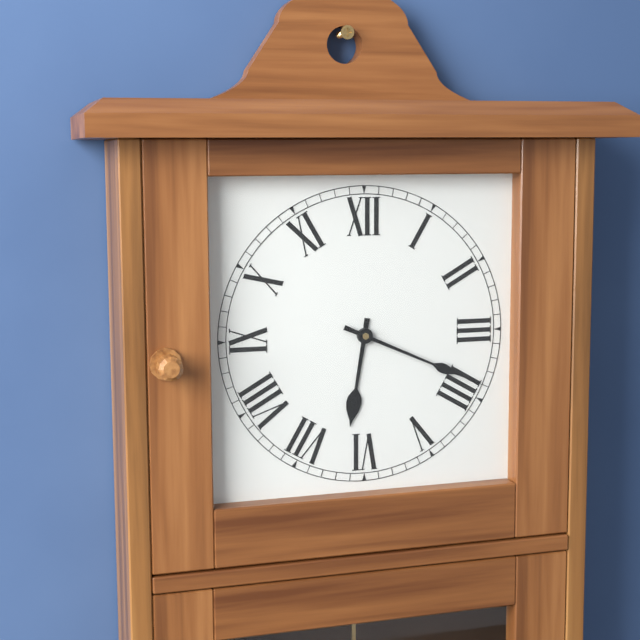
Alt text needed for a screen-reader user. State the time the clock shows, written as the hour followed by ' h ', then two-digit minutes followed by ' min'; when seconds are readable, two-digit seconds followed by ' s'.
6 h 19 min
